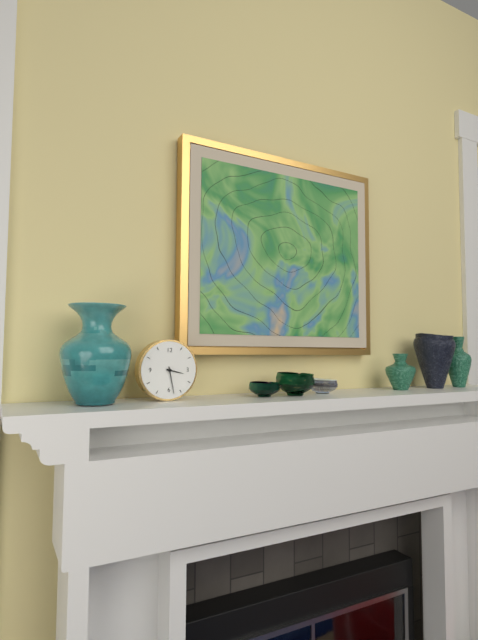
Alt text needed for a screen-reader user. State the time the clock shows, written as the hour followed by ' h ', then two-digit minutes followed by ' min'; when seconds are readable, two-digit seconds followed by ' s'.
3 h 28 min
